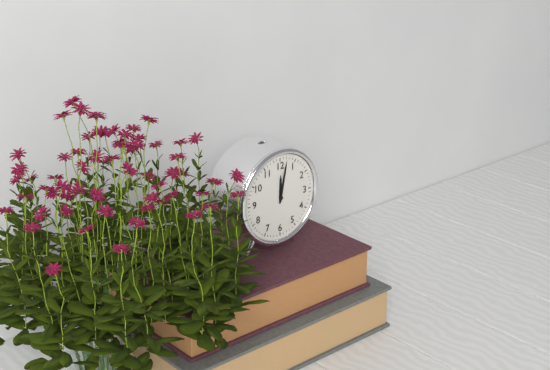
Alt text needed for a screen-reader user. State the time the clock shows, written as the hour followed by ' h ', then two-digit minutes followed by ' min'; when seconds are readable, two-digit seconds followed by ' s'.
12 h 02 min
